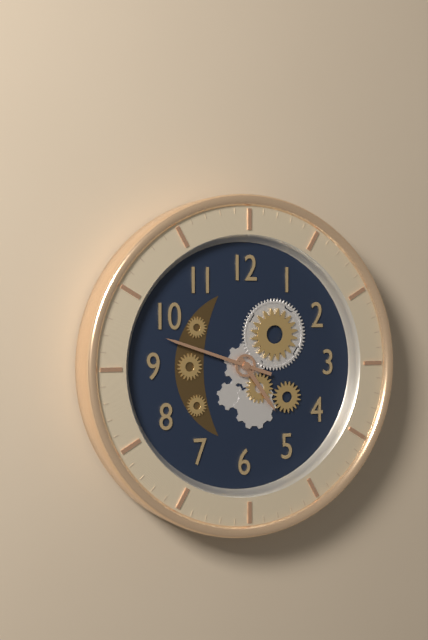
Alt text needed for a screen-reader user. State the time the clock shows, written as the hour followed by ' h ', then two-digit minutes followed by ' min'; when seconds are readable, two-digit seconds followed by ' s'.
4 h 48 min
